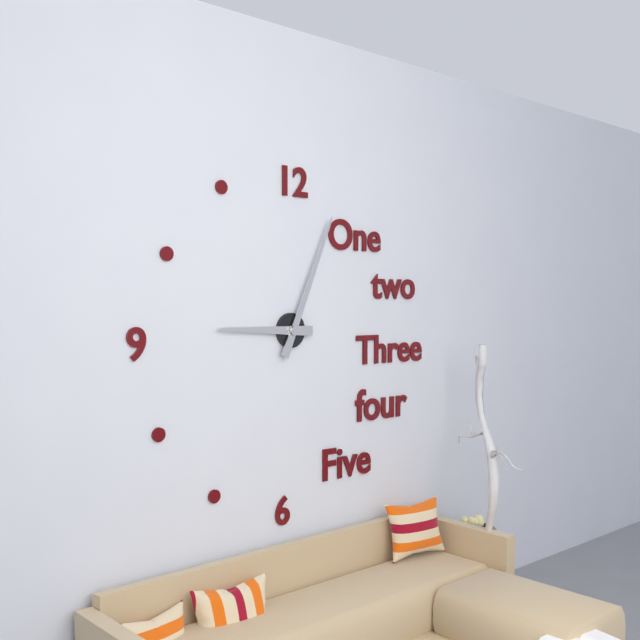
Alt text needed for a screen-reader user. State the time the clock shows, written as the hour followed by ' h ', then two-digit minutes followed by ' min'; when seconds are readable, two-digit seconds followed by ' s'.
9 h 04 min
